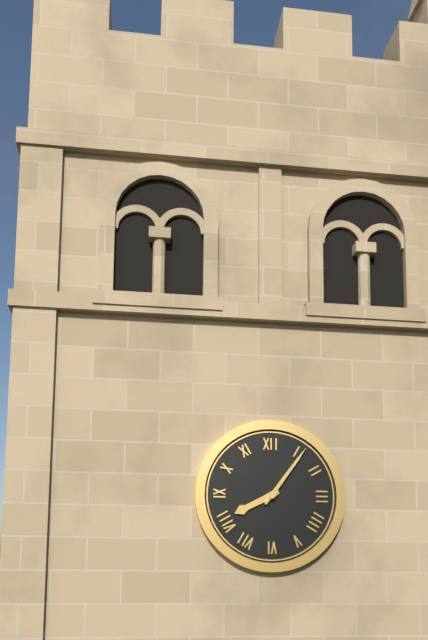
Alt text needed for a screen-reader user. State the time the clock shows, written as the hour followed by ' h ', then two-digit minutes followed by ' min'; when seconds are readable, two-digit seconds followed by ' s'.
8 h 06 min
